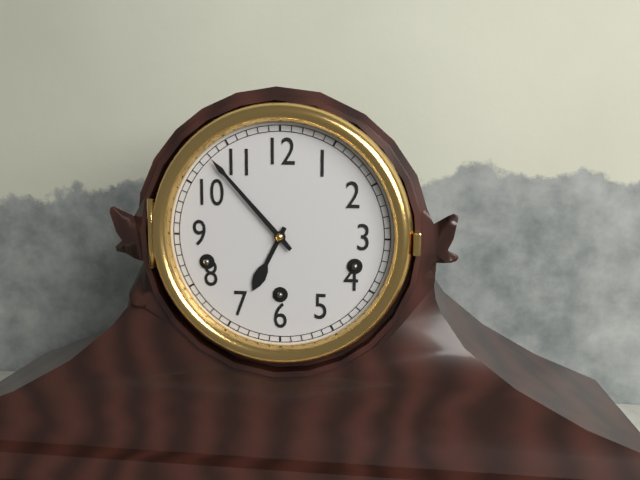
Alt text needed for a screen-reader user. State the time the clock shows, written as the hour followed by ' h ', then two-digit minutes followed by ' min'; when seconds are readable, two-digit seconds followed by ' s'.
6 h 53 min
